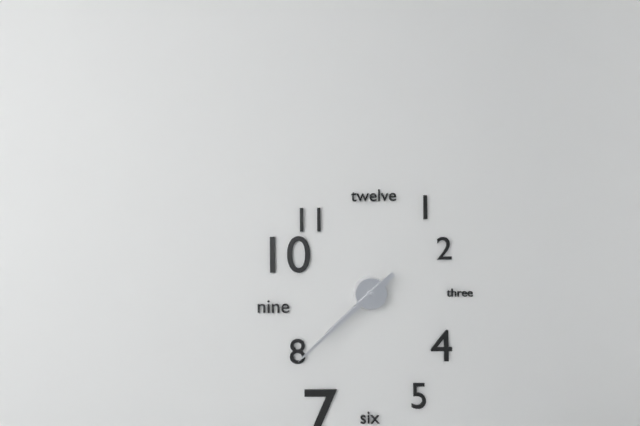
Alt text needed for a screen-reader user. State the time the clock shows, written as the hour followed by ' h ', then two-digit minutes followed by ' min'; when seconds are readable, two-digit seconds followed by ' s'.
7 h 38 min
